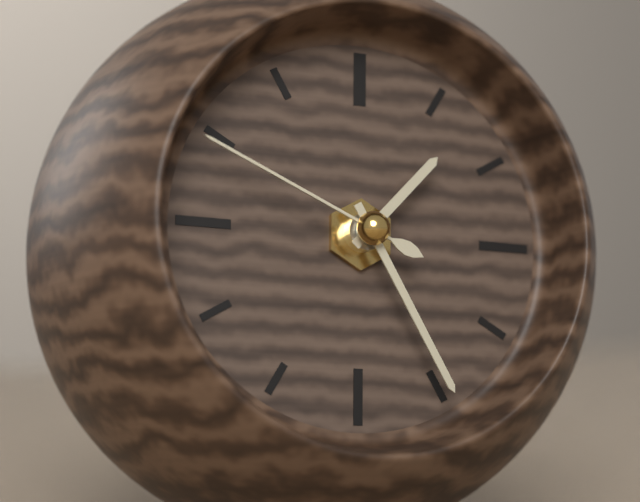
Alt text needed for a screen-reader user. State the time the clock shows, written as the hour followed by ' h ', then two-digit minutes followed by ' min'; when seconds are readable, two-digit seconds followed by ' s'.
1 h 25 min 49 s
